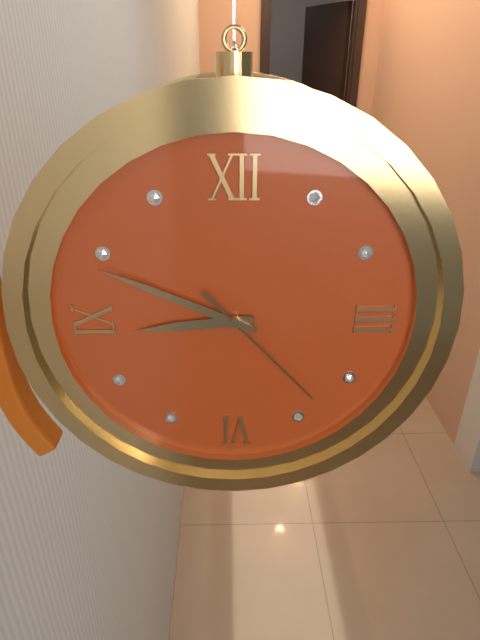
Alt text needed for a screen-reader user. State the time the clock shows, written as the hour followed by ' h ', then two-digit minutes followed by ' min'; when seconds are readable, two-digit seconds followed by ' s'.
8 h 49 min 23 s
